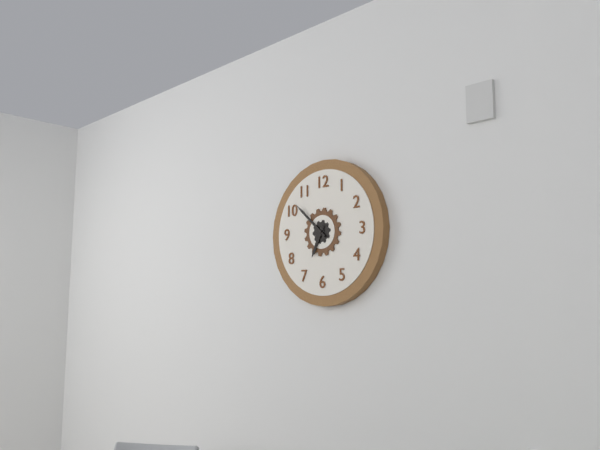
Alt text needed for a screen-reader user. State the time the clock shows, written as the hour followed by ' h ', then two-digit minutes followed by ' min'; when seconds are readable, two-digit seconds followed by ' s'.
6 h 52 min
